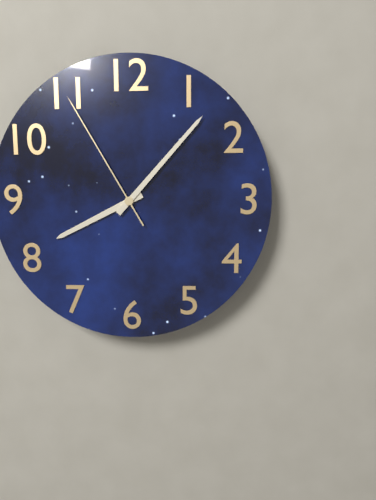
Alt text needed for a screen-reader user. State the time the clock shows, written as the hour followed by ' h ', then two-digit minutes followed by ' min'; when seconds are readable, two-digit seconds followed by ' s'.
8 h 07 min 55 s
